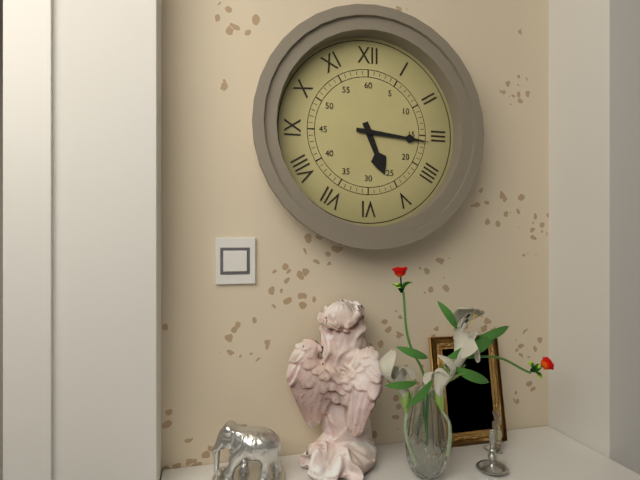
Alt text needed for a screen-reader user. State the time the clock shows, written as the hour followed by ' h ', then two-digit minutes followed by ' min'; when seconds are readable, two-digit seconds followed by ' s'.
5 h 16 min
